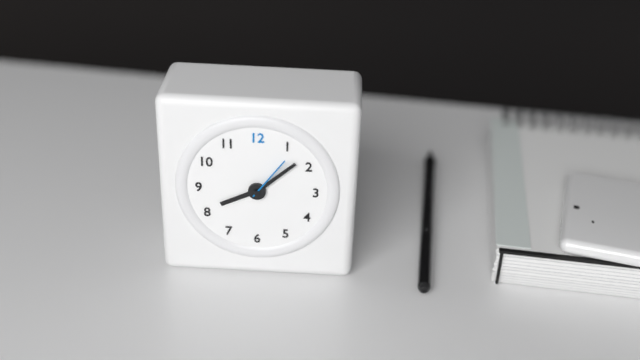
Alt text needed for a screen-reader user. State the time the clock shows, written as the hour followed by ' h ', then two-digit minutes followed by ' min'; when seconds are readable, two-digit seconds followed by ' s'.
8 h 08 min 06 s
